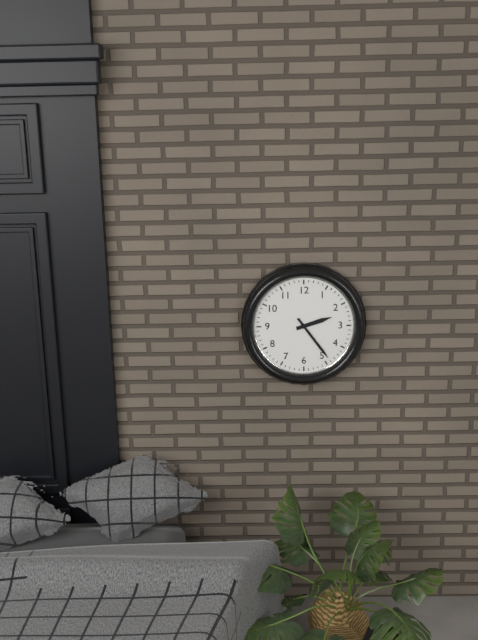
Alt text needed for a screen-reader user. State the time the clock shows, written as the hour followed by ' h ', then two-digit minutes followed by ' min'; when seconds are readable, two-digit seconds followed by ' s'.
2 h 24 min
